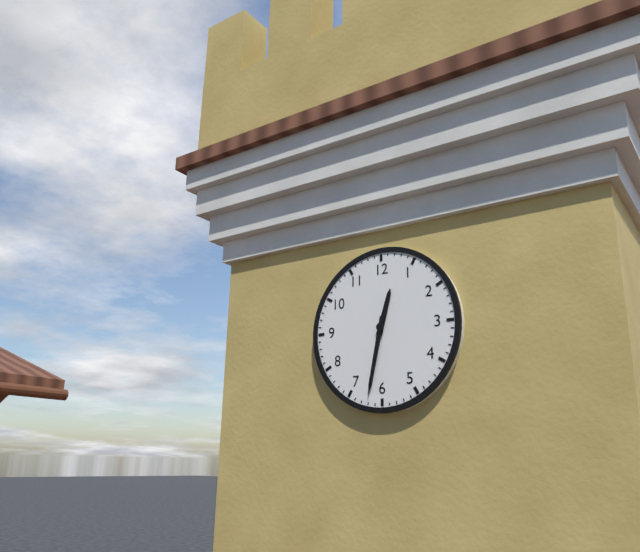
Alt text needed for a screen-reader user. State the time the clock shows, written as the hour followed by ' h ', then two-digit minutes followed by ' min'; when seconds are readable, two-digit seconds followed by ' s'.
12 h 32 min
